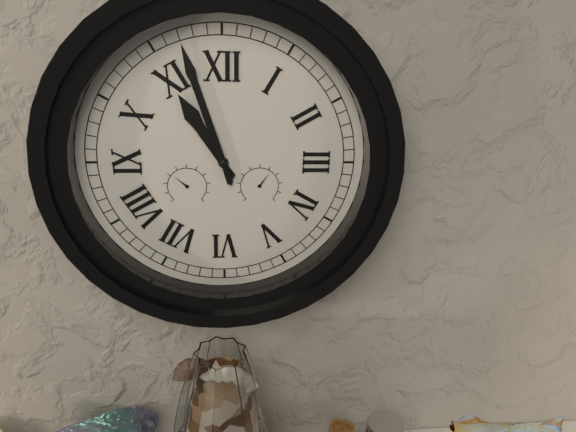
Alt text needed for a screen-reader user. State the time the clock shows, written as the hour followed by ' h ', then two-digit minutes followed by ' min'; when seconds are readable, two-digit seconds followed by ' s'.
10 h 57 min
